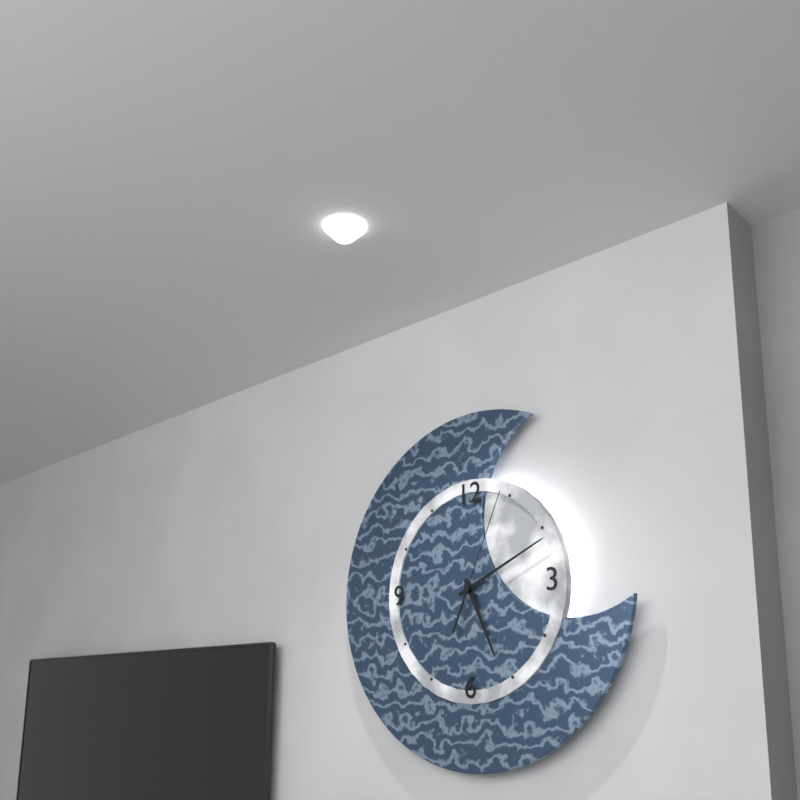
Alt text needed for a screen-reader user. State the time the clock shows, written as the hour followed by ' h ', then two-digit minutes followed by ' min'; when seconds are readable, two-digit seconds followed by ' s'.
5 h 11 min 04 s
